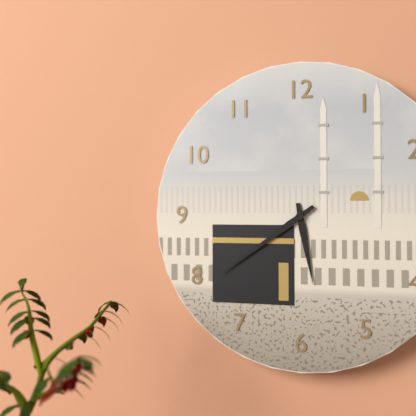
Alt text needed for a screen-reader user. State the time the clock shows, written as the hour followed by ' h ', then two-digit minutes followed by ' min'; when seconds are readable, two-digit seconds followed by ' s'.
5 h 39 min
